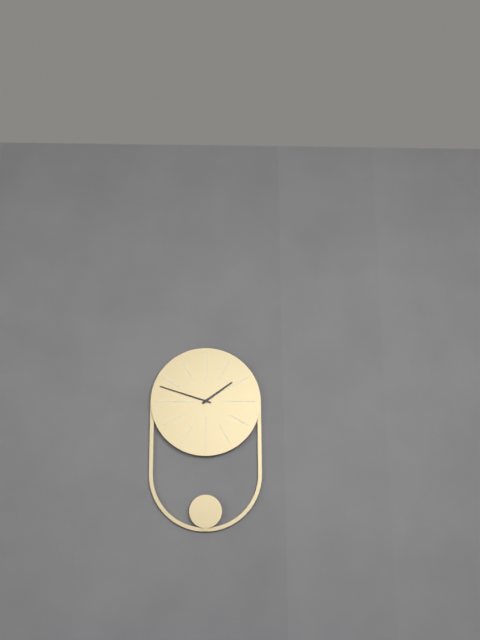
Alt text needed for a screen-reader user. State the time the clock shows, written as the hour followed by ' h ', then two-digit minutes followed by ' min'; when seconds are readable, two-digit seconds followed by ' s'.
1 h 48 min
